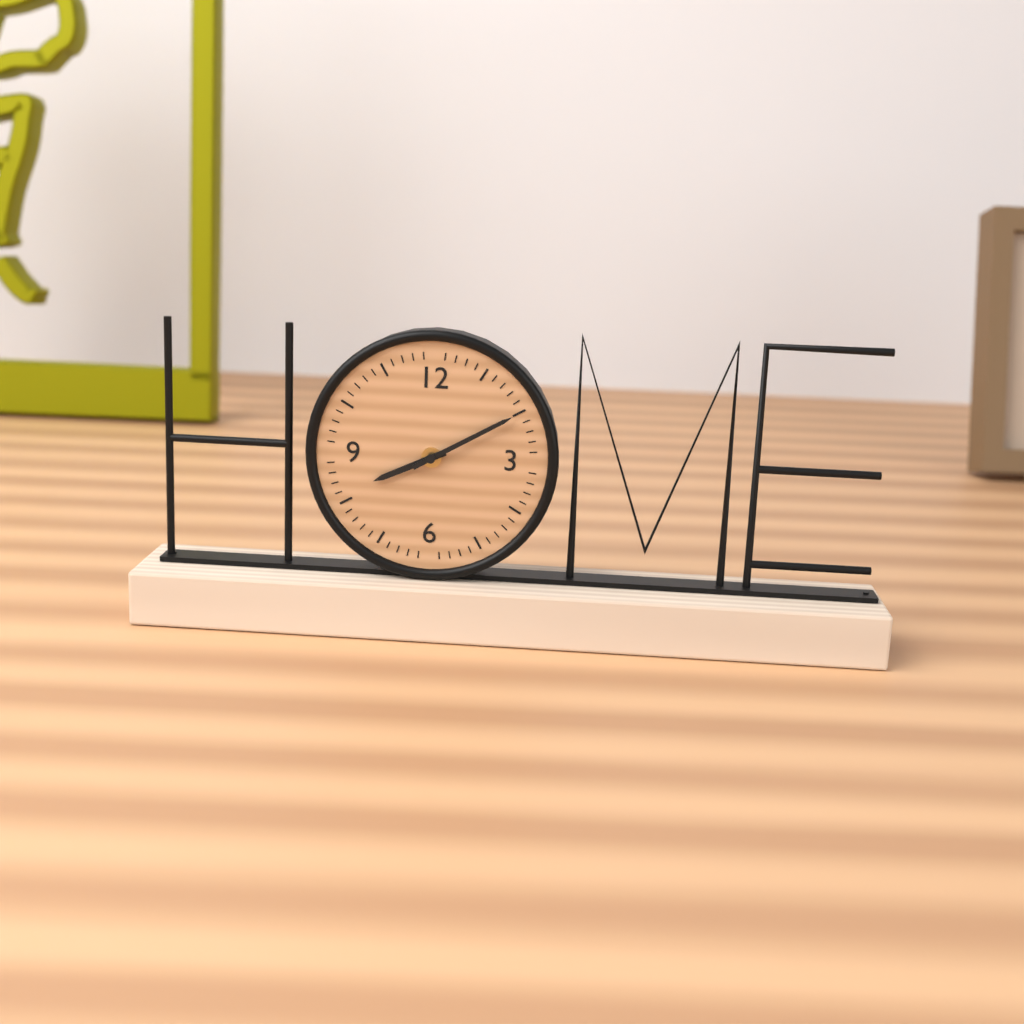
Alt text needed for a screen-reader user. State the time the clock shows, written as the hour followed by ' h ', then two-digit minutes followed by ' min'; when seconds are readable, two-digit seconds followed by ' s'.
8 h 10 min
